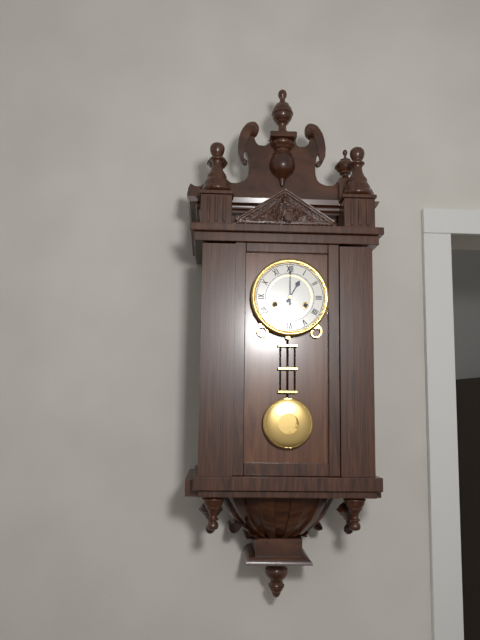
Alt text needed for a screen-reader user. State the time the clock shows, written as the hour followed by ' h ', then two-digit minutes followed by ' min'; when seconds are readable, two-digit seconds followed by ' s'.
1 h 00 min
